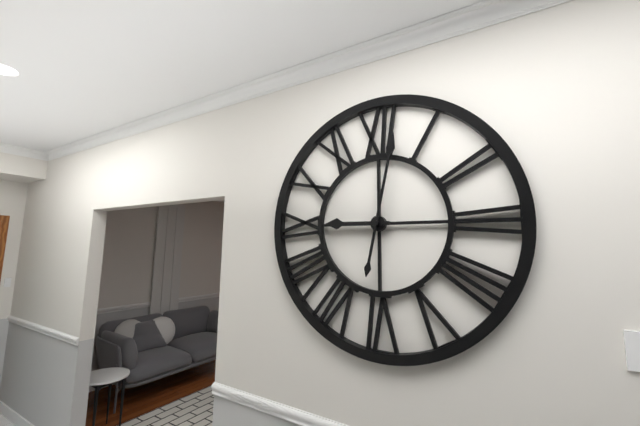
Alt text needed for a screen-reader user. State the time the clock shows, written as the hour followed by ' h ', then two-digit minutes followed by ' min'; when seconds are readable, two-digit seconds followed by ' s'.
9 h 02 min
